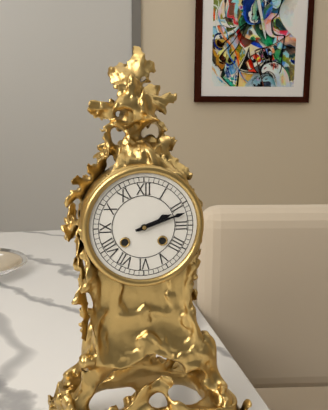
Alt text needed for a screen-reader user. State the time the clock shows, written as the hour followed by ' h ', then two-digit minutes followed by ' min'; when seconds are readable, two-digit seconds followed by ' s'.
2 h 12 min
